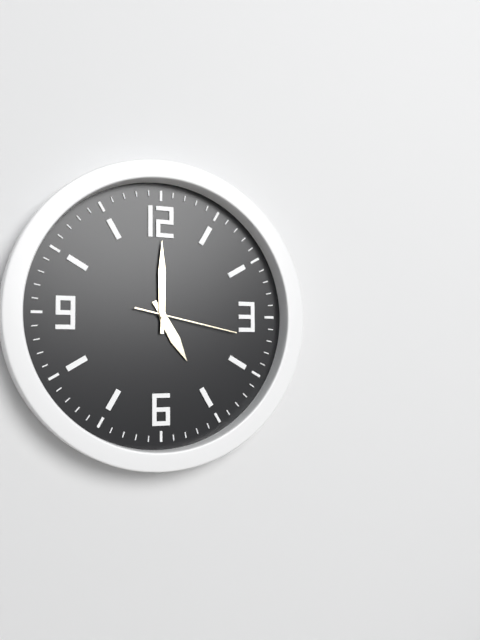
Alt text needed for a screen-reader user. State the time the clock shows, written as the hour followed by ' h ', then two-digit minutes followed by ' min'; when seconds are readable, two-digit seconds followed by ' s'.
5 h 00 min 17 s
